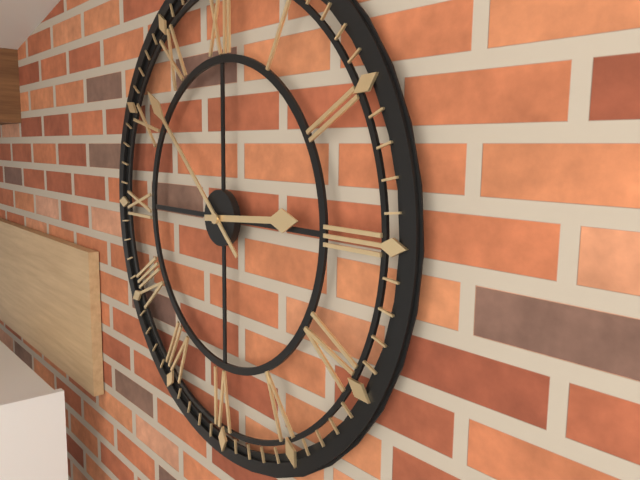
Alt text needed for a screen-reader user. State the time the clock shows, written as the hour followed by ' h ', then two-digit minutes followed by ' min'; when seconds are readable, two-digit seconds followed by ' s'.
2 h 52 min
